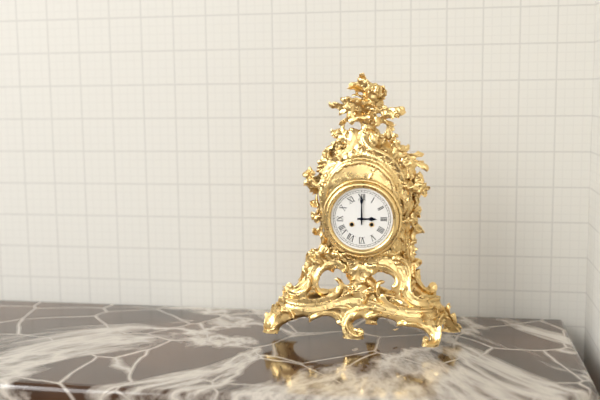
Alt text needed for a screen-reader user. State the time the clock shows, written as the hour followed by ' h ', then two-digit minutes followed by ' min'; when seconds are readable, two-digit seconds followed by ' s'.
3 h 00 min
